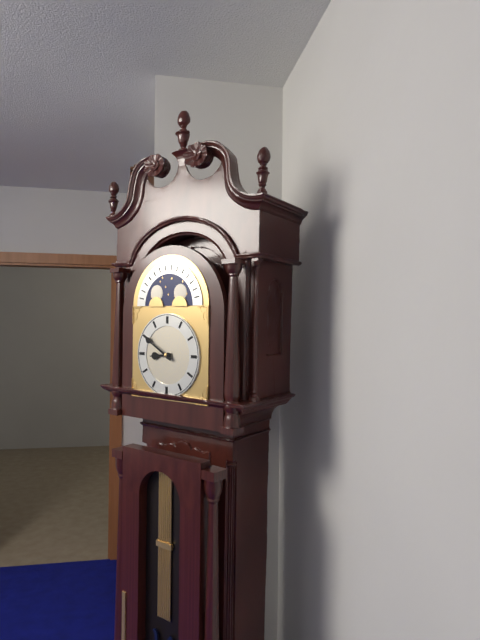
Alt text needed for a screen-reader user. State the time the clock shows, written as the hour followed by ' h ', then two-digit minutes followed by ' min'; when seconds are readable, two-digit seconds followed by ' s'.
8 h 50 min
